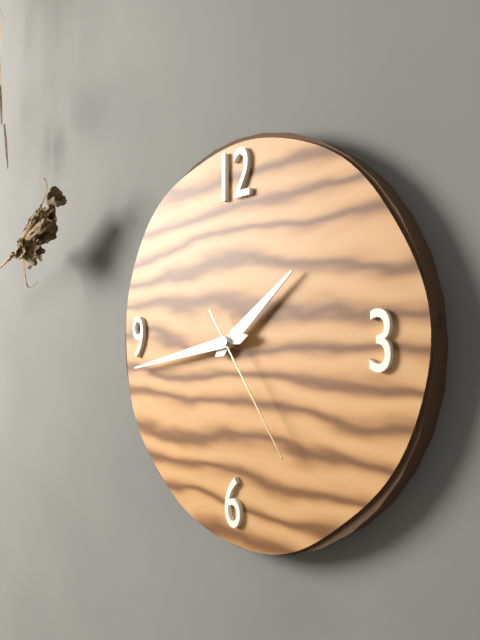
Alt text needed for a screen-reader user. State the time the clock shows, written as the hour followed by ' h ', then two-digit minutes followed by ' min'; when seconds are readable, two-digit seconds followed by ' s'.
1 h 43 min 24 s
